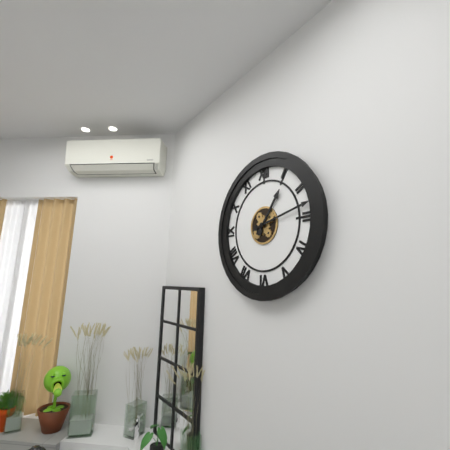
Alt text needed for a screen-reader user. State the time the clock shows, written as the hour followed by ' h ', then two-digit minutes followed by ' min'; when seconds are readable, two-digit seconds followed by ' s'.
1 h 13 min
